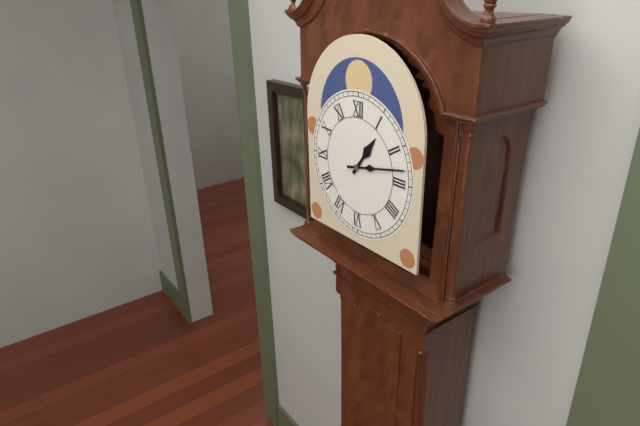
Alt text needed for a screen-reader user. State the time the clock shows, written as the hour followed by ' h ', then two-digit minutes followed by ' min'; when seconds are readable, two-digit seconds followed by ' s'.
1 h 13 min
